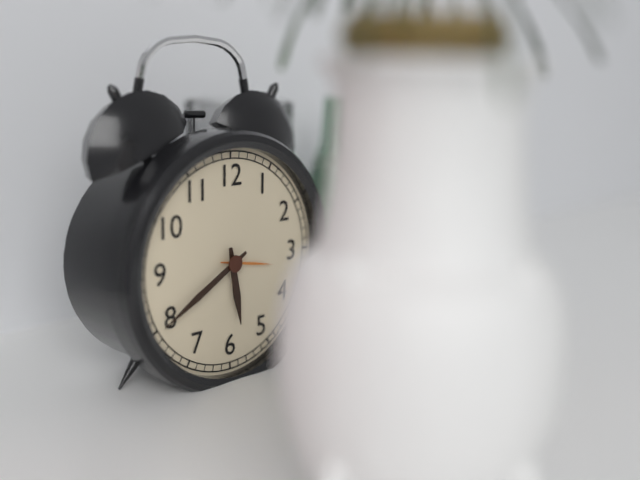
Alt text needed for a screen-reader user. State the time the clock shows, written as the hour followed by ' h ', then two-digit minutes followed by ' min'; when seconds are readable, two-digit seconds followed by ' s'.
5 h 40 min
